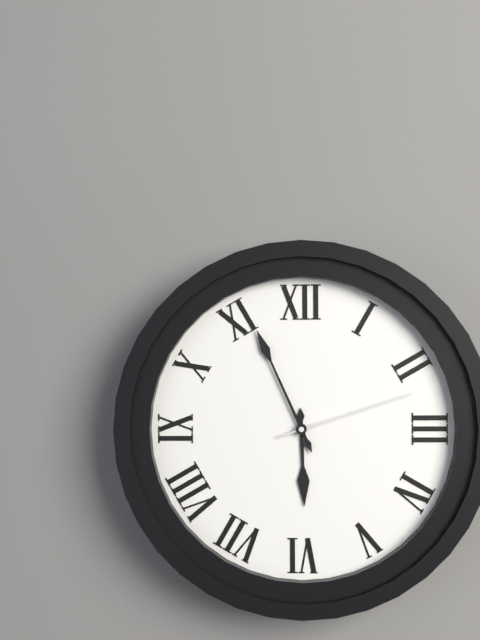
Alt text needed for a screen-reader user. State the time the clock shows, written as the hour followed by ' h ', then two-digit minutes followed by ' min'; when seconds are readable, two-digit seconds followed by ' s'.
5 h 56 min 12 s
